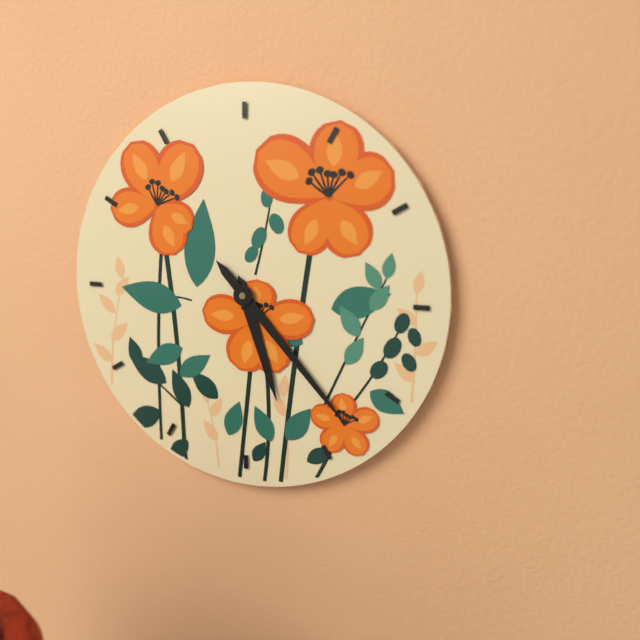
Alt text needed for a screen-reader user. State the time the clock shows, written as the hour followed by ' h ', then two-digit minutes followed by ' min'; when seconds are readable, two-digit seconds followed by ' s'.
5 h 23 min
